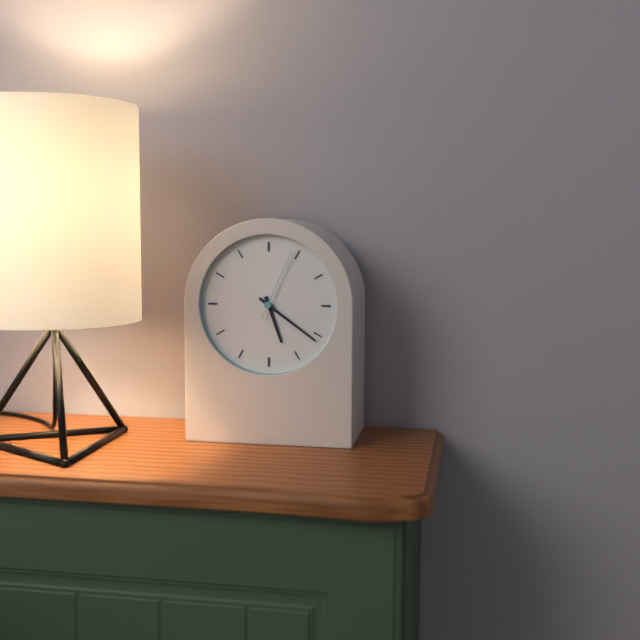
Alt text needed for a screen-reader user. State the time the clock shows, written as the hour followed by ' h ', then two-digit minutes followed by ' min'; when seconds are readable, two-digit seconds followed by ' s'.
5 h 21 min 04 s
